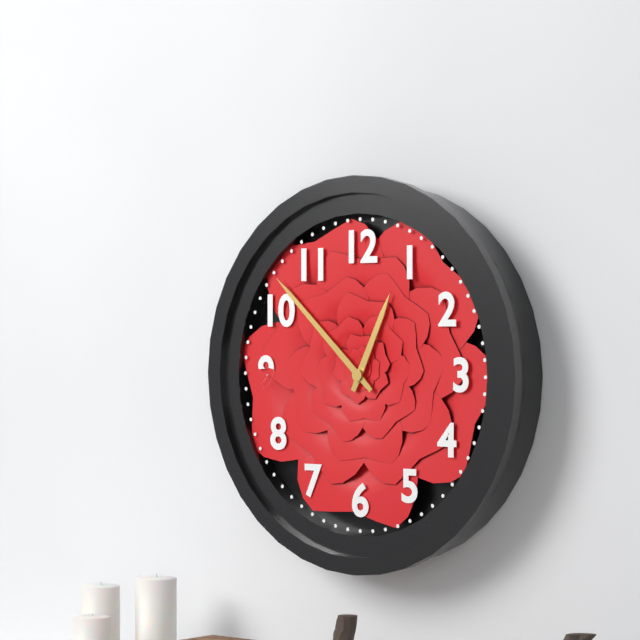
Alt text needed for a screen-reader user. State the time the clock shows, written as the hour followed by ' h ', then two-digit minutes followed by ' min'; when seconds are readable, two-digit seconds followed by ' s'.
12 h 52 min
